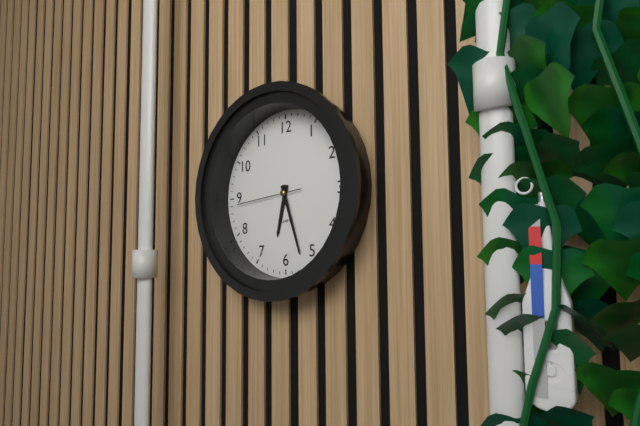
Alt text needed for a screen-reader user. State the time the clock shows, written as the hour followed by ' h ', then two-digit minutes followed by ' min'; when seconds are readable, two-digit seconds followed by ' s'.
6 h 27 min 44 s
